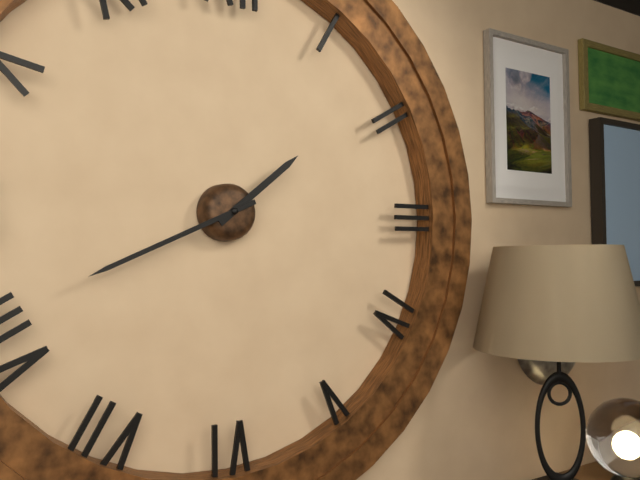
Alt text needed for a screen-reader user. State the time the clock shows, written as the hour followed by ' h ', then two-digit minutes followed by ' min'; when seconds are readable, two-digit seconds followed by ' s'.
1 h 41 min
